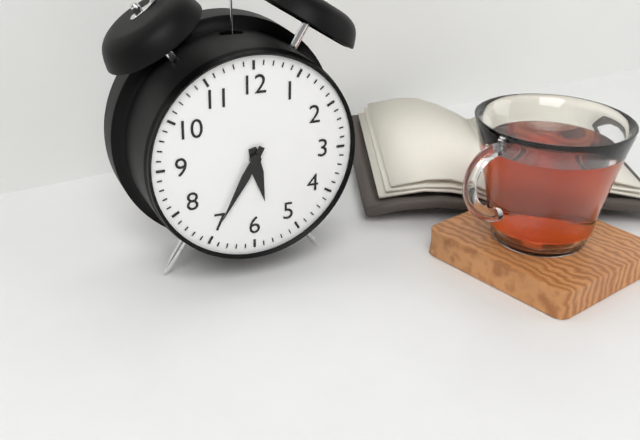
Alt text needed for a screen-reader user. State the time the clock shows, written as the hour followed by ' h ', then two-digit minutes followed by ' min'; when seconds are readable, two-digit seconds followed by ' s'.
5 h 35 min
